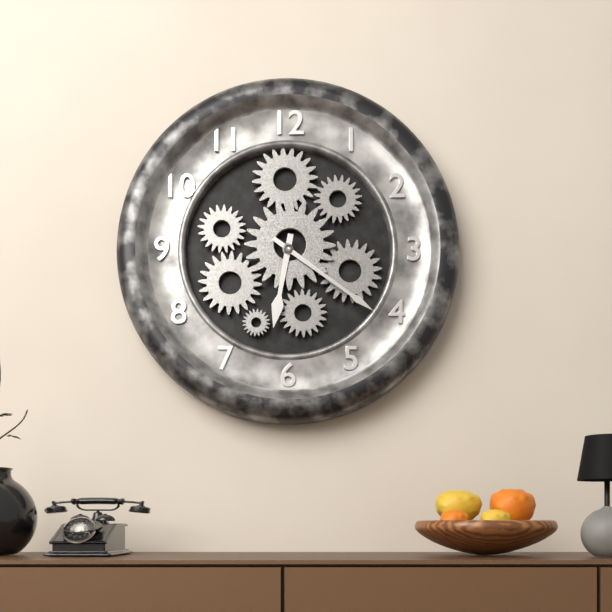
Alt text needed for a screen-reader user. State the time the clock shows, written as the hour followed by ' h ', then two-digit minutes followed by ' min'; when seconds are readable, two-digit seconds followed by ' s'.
6 h 21 min
